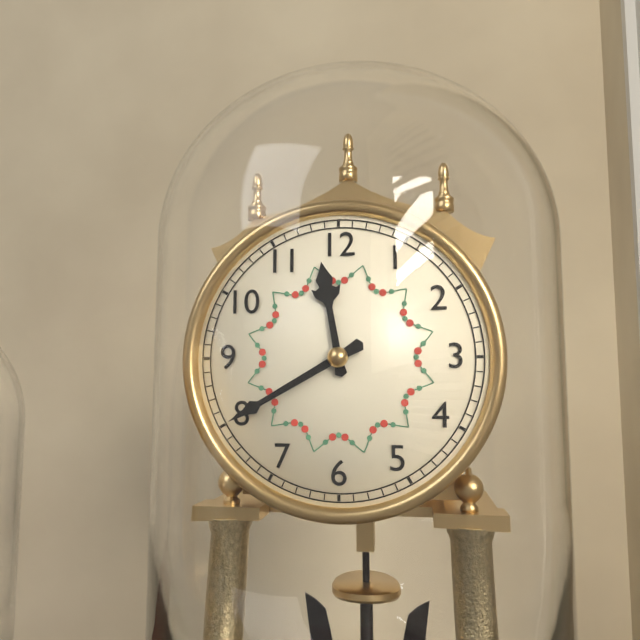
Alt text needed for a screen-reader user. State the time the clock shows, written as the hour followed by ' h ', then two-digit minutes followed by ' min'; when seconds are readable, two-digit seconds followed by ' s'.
11 h 40 min
